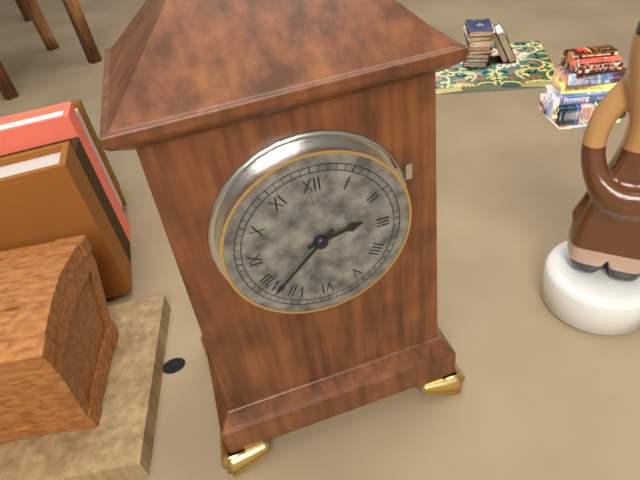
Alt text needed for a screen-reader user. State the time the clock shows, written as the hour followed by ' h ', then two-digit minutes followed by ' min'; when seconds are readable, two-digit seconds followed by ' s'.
2 h 38 min
